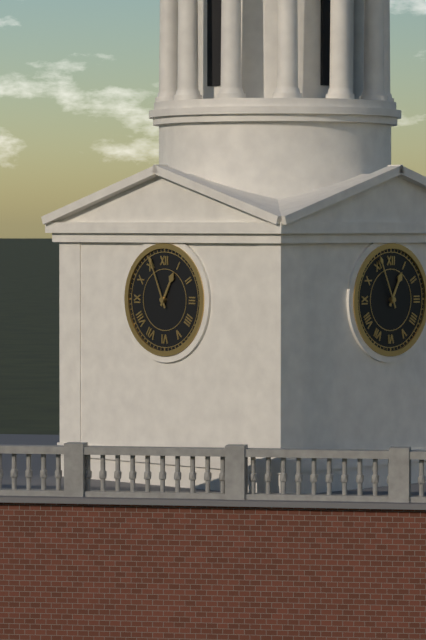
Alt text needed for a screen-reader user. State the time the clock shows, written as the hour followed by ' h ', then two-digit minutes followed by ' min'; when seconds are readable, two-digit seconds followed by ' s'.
12 h 56 min
